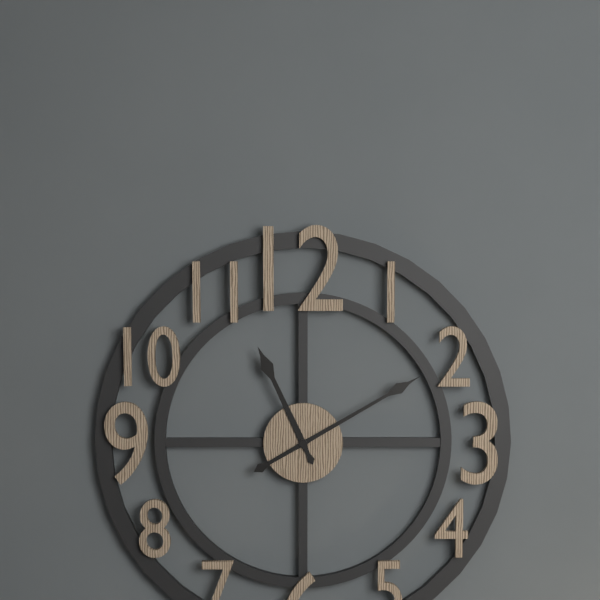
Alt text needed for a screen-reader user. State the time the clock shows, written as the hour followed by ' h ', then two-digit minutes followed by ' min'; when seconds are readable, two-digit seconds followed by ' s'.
11 h 10 min
